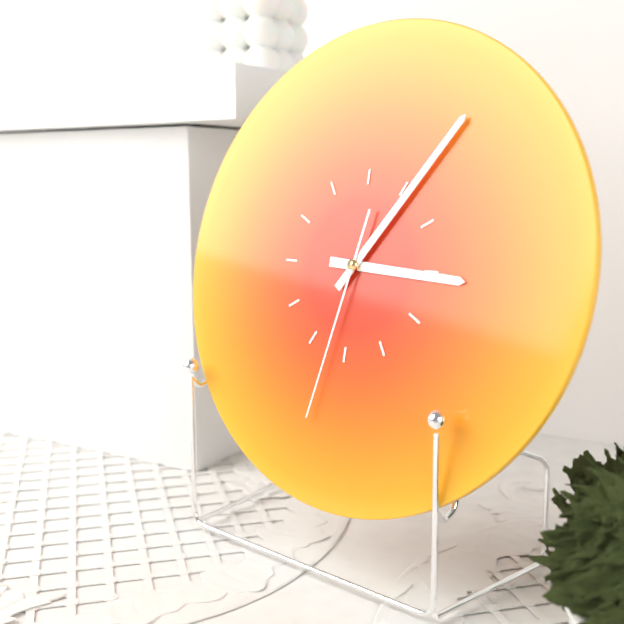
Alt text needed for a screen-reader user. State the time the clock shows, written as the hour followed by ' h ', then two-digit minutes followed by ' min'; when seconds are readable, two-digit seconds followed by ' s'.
3 h 06 min 32 s
